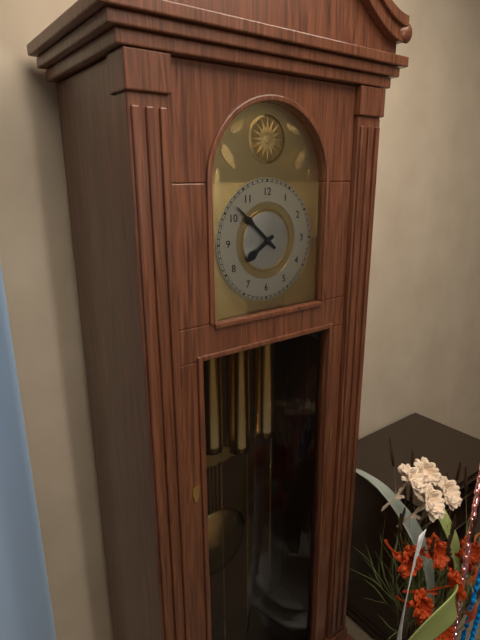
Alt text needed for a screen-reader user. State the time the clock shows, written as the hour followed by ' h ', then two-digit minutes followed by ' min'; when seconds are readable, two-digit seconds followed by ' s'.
7 h 52 min
